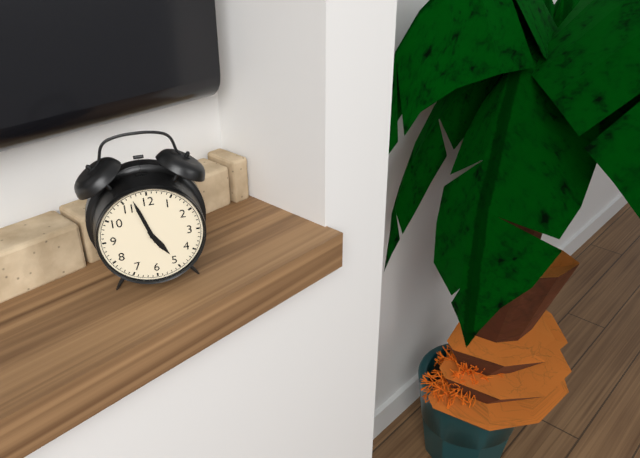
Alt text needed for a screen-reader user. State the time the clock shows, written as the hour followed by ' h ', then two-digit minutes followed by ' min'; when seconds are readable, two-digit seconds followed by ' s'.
4 h 57 min
